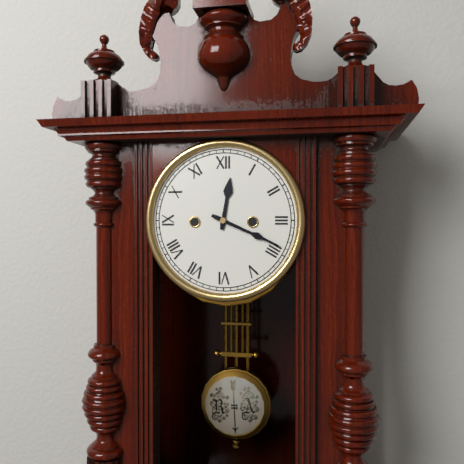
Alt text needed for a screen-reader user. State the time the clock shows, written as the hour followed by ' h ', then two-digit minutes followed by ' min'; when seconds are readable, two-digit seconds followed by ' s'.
12 h 19 min
